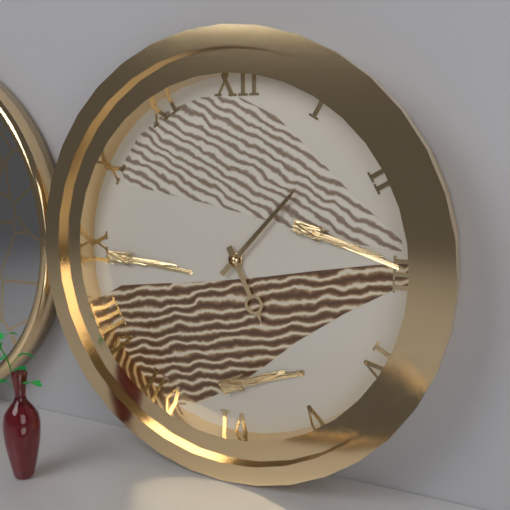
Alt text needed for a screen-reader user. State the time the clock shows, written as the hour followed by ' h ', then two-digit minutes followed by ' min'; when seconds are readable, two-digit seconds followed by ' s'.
5 h 07 min
